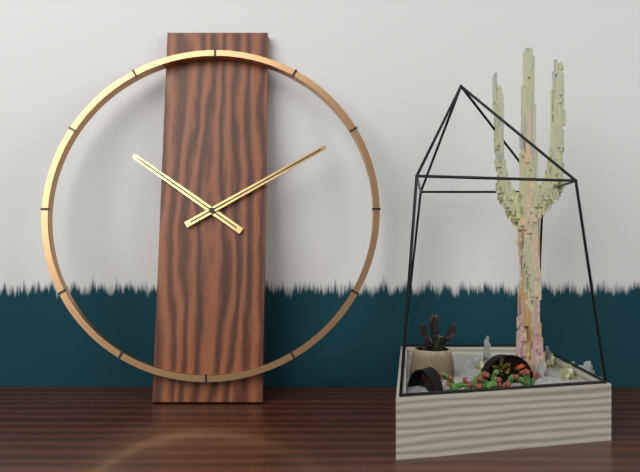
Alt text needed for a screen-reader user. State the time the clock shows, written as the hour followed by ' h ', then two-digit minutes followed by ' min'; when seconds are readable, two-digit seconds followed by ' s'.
10 h 10 min
